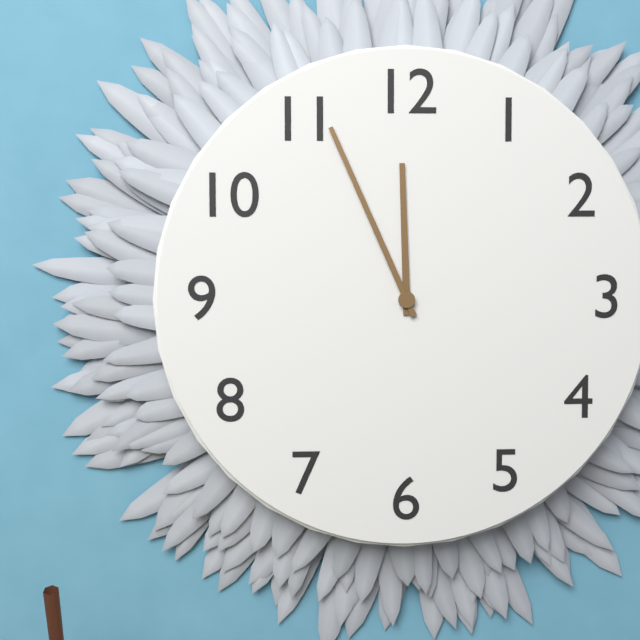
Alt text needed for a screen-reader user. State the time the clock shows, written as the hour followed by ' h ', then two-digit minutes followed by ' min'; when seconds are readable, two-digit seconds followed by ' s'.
11 h 56 min
